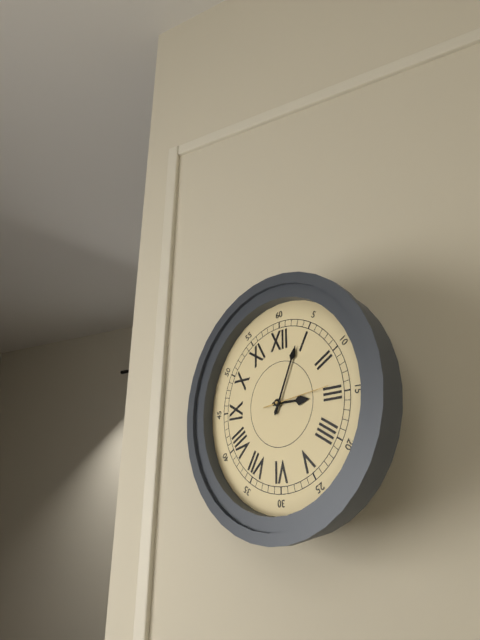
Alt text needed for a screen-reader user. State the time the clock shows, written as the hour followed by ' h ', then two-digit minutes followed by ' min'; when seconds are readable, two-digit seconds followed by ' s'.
3 h 04 min 14 s
